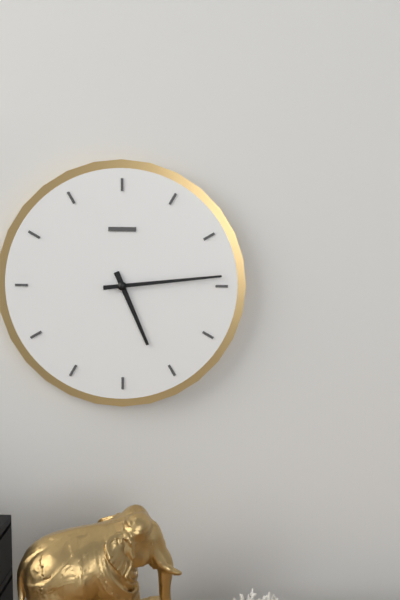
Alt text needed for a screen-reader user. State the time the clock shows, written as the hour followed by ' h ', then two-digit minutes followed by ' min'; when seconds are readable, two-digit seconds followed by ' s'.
5 h 14 min
